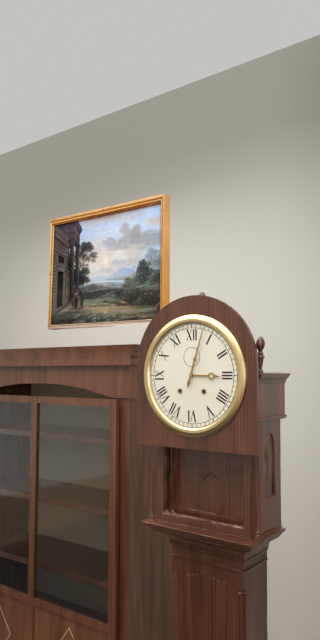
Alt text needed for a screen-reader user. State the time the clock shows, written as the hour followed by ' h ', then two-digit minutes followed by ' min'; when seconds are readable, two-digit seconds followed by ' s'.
3 h 03 min
